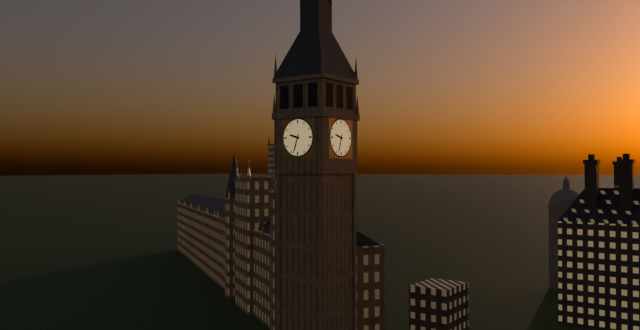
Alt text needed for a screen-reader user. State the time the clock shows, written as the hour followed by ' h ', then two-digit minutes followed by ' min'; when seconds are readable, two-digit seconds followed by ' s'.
9 h 33 min
